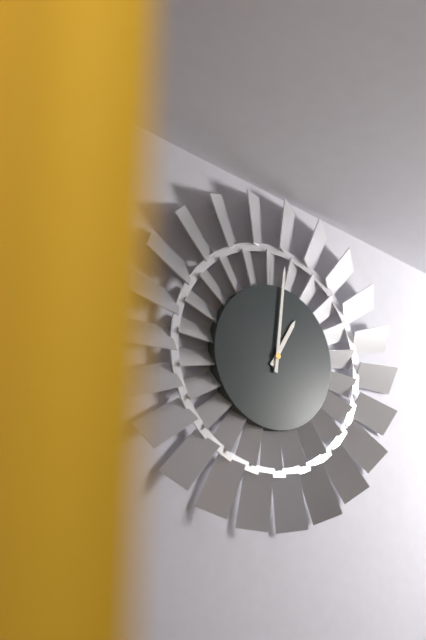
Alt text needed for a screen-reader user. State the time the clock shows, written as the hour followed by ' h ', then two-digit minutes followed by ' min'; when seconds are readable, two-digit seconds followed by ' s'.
1 h 01 min
